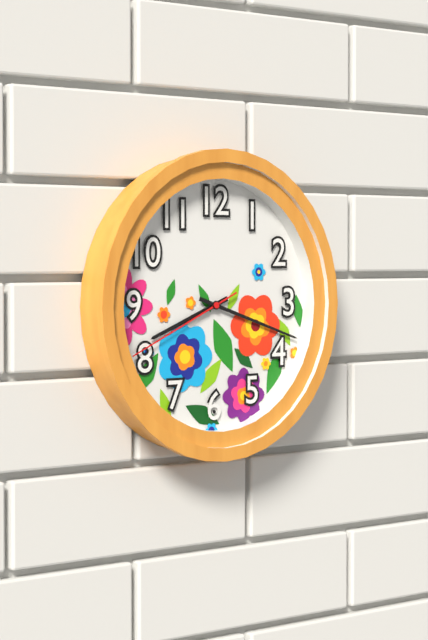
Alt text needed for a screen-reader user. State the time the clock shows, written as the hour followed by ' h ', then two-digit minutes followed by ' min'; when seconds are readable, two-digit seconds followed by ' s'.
8 h 18 min 41 s
